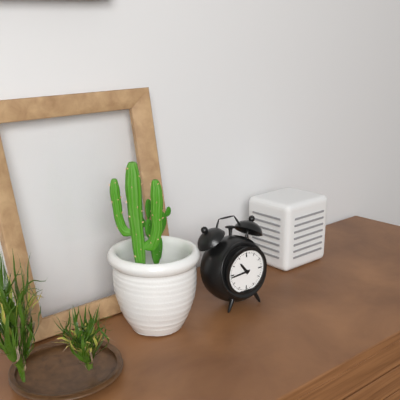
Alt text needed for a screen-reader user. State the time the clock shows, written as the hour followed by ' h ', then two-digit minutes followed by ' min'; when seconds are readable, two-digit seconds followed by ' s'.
10 h 44 min
